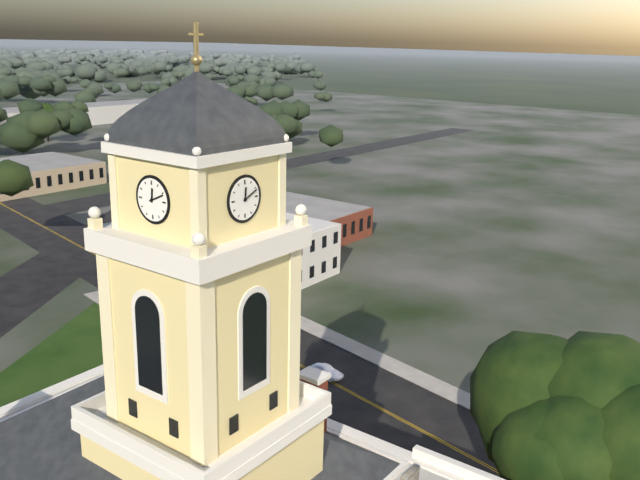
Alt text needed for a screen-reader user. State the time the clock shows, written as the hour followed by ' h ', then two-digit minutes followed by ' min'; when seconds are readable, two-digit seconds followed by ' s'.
12 h 11 min
